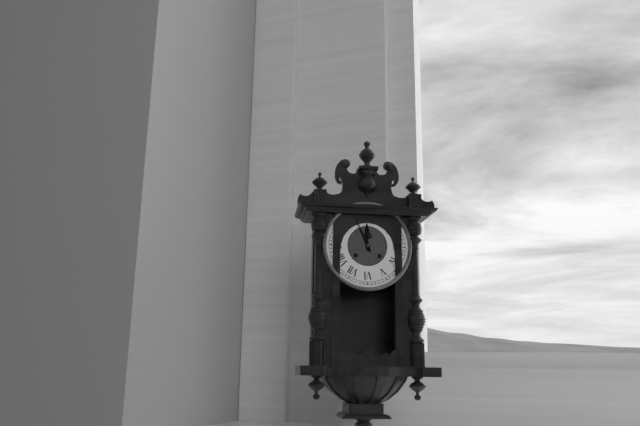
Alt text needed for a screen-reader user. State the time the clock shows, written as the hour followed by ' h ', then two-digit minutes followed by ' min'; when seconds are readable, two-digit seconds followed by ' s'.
11 h 56 min
